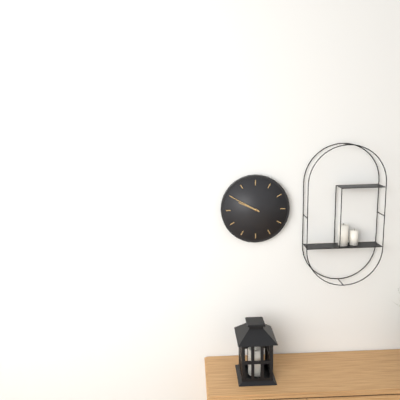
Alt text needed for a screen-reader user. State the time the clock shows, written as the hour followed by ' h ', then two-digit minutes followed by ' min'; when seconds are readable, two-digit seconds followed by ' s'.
9 h 50 min
